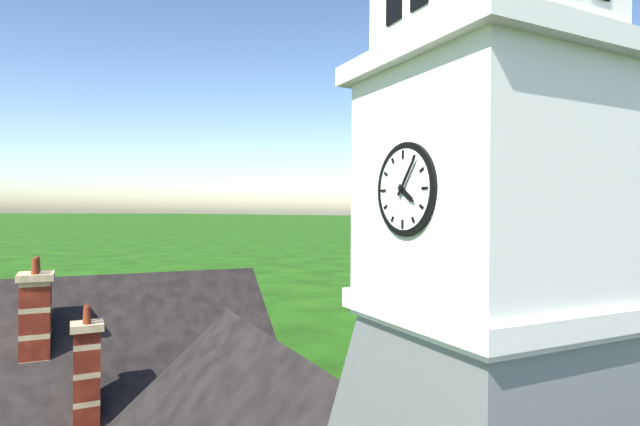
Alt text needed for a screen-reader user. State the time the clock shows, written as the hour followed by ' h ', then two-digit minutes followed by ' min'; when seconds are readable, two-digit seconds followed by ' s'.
4 h 06 min
